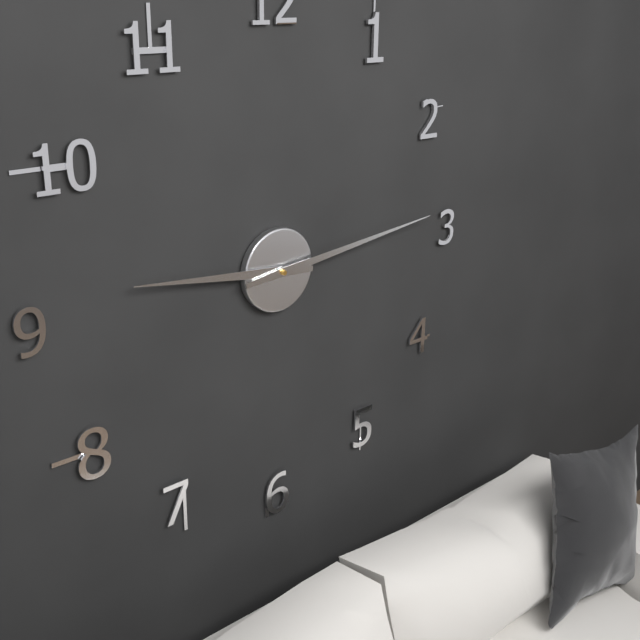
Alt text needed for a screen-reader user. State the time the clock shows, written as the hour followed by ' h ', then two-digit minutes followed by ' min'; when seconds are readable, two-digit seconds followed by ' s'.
9 h 14 min
